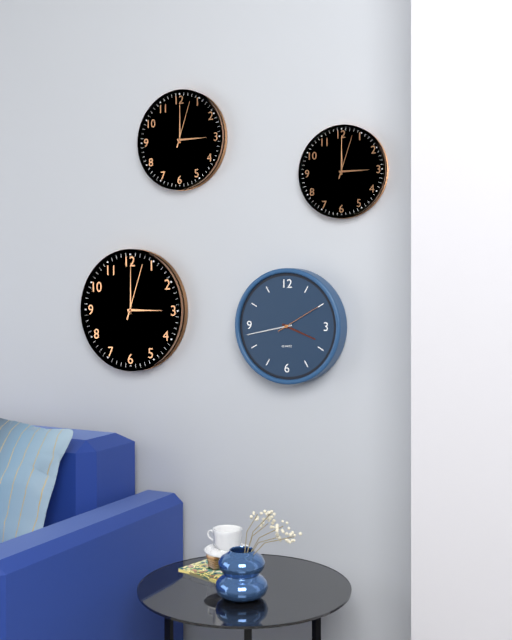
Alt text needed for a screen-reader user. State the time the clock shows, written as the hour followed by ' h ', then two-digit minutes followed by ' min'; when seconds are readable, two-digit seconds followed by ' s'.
3 h 43 min
